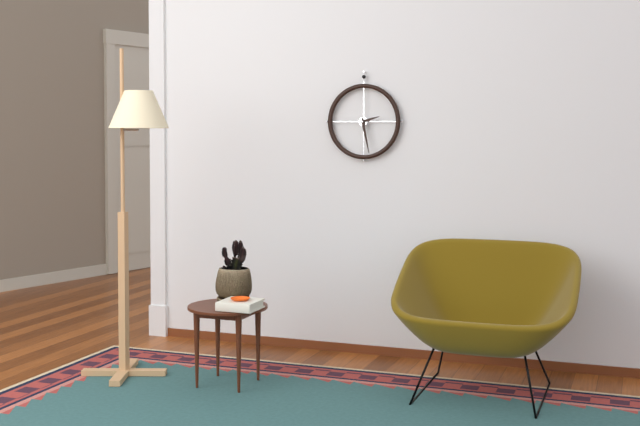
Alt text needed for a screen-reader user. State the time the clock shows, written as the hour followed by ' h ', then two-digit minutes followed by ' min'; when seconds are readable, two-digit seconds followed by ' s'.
2 h 28 min
